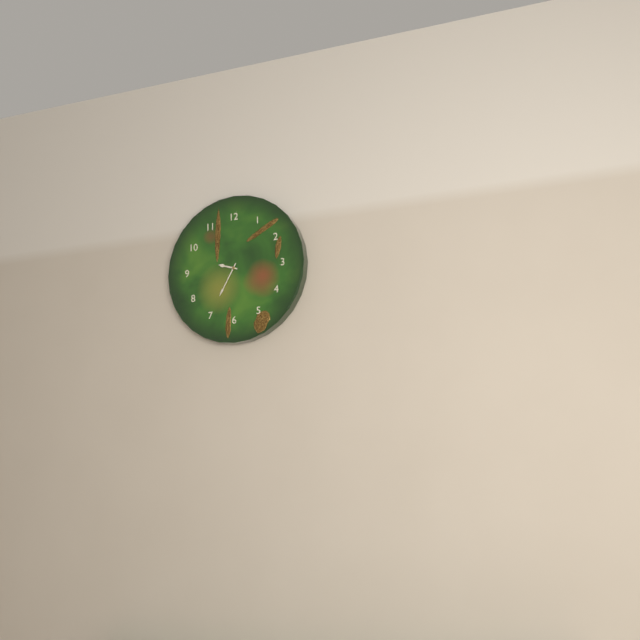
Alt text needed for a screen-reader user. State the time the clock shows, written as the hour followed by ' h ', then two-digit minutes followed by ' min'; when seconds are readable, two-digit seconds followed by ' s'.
9 h 35 min
